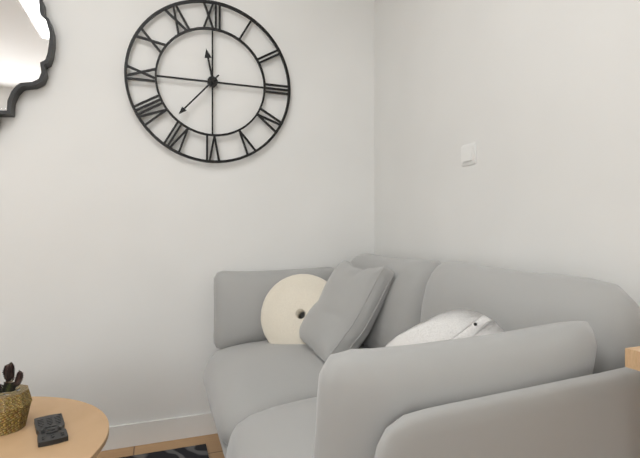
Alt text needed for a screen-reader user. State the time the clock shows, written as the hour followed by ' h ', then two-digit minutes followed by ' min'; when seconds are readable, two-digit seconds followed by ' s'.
11 h 37 min
